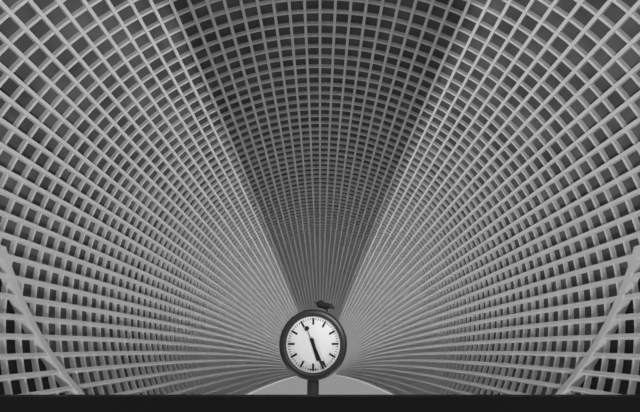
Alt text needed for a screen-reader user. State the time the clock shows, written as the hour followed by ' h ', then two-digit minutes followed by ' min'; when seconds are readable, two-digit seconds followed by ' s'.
5 h 26 min
